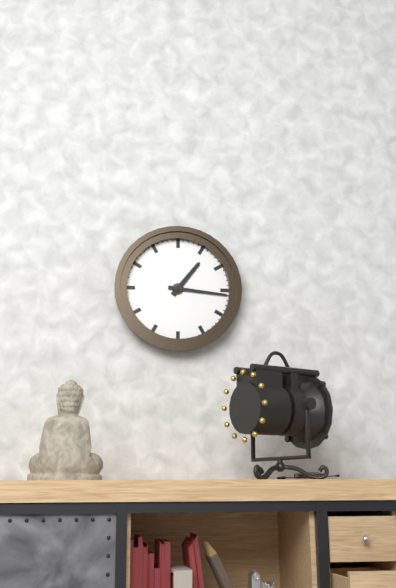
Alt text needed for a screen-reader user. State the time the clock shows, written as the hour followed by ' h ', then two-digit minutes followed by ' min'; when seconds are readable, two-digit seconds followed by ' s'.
1 h 16 min
